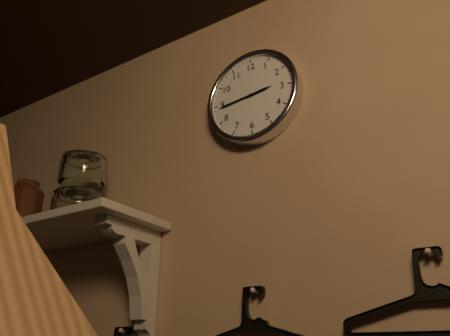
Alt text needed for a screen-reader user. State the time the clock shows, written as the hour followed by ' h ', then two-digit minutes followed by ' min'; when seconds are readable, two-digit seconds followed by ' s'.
2 h 44 min
